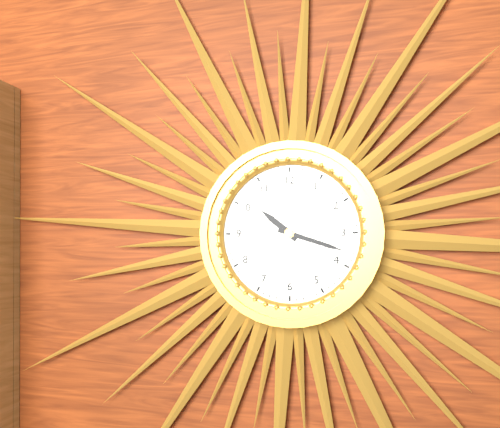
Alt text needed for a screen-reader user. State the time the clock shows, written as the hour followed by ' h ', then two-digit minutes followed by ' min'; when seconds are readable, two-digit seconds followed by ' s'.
10 h 18 min
